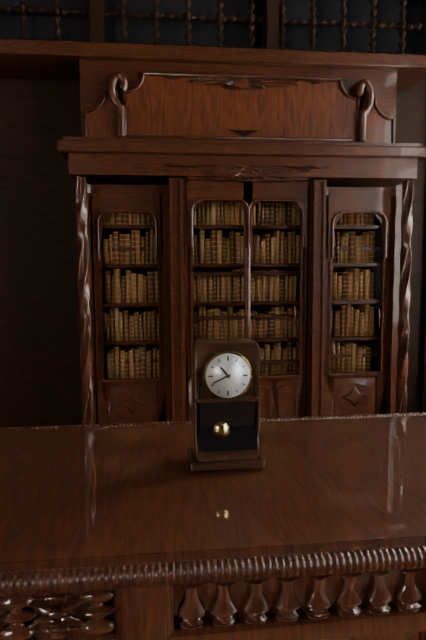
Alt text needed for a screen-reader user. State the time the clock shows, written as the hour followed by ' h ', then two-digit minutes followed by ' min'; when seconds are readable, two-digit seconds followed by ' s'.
10 h 41 min
